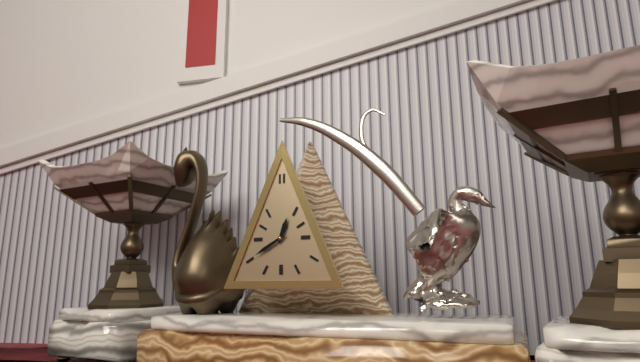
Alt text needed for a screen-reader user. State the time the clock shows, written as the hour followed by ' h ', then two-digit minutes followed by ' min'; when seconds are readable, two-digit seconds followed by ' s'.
12 h 40 min
